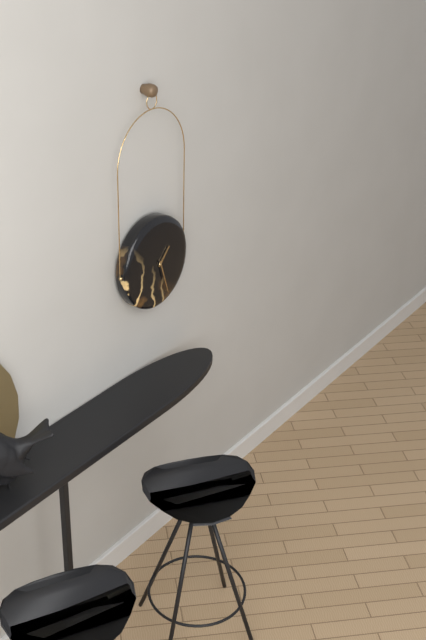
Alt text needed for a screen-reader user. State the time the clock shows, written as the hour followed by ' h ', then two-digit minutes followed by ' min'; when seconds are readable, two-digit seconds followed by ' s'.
1 h 27 min
